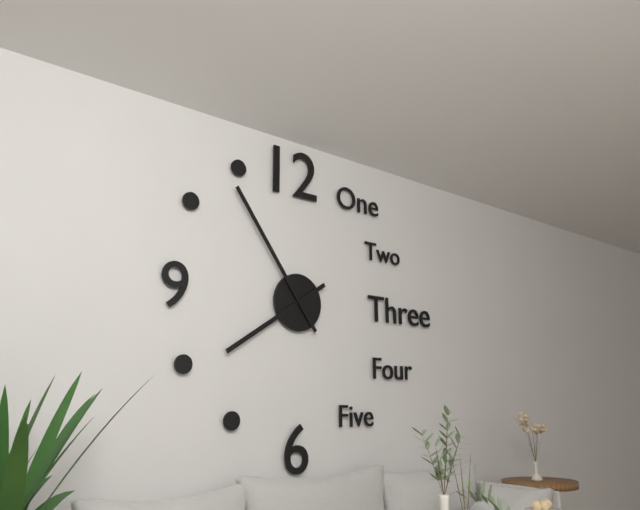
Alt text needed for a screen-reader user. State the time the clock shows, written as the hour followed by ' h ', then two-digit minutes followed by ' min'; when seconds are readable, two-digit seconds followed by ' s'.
7 h 54 min
